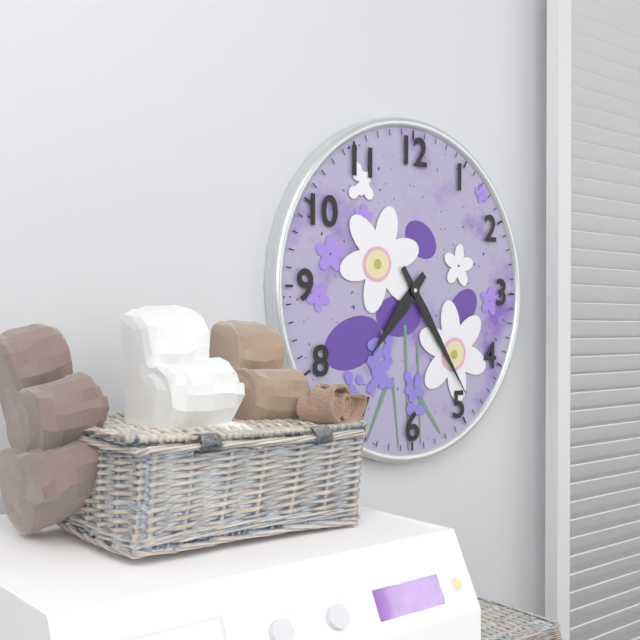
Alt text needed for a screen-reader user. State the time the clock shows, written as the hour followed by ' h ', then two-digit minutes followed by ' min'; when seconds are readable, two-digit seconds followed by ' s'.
7 h 24 min
